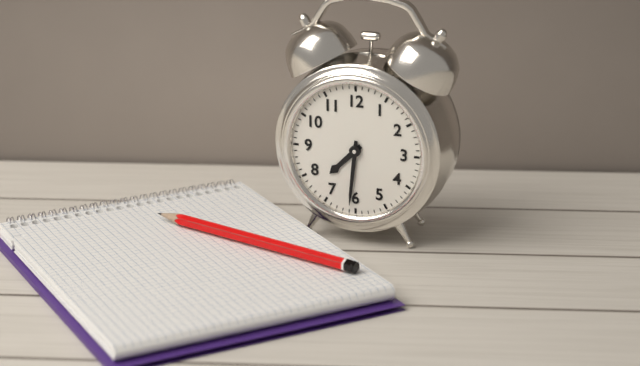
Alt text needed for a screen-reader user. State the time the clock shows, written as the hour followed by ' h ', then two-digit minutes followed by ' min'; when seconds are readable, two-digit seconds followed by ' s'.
7 h 31 min
